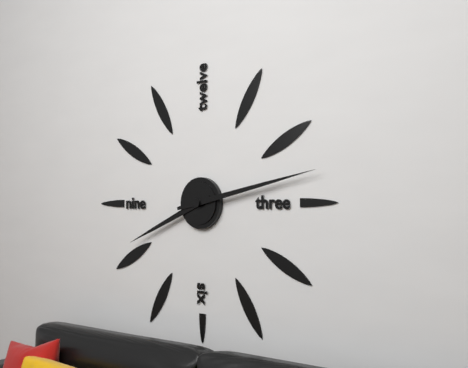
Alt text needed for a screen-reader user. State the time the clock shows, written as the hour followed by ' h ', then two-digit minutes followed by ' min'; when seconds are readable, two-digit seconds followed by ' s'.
8 h 13 min
